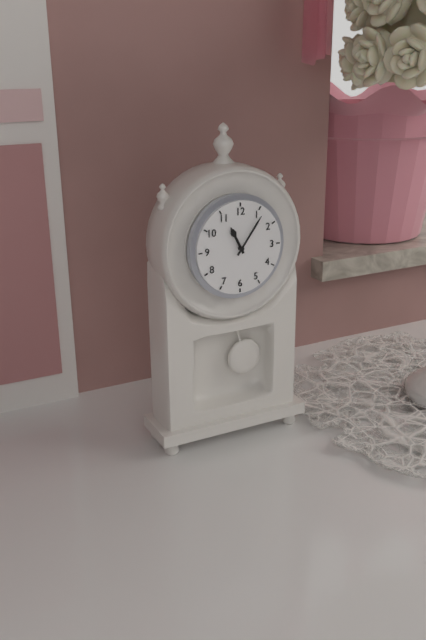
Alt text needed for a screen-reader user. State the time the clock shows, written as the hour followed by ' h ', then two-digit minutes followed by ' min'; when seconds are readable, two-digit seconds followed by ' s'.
11 h 06 min
